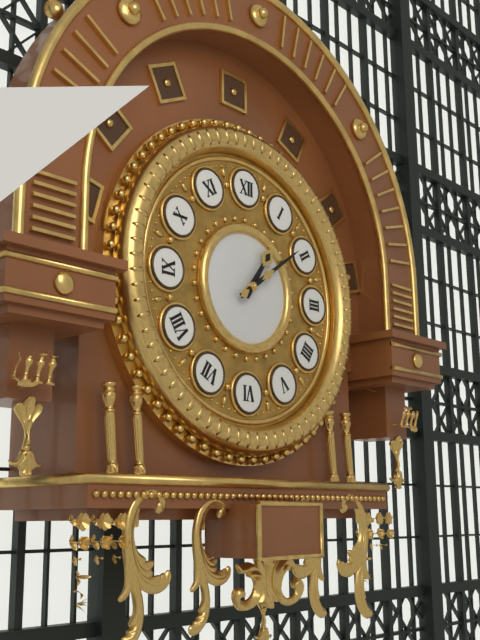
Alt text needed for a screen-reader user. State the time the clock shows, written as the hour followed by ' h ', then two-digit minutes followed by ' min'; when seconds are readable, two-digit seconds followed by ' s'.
1 h 09 min
